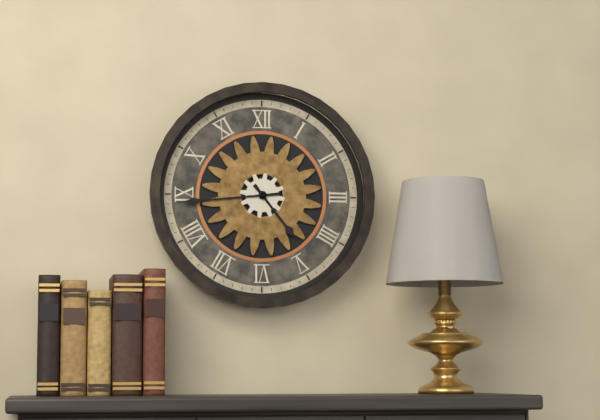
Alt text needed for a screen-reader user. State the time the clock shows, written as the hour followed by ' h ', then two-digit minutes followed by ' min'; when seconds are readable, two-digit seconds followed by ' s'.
4 h 44 min
